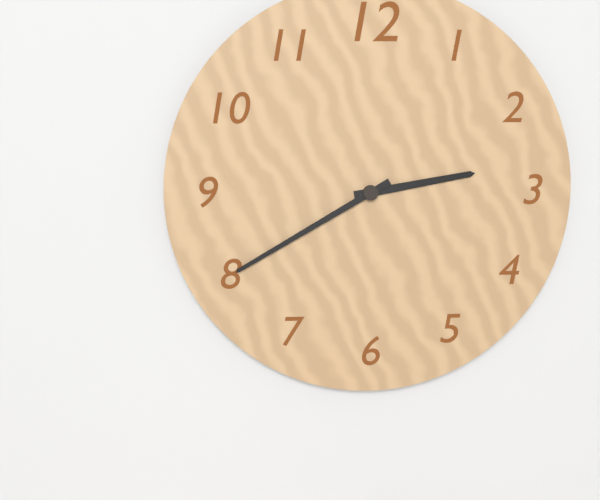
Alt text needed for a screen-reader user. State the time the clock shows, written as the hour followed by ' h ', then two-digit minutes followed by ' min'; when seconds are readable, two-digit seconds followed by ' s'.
2 h 40 min
